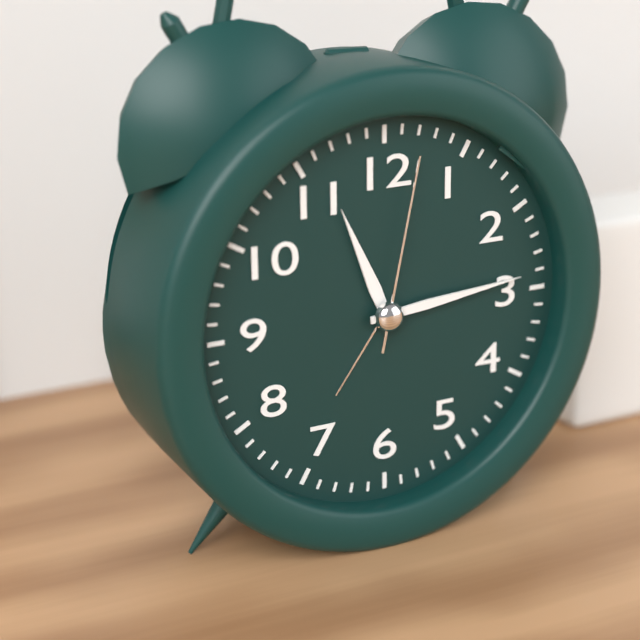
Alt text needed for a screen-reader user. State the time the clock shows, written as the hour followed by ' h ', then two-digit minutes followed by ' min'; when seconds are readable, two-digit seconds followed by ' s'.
11 h 14 min 02 s
